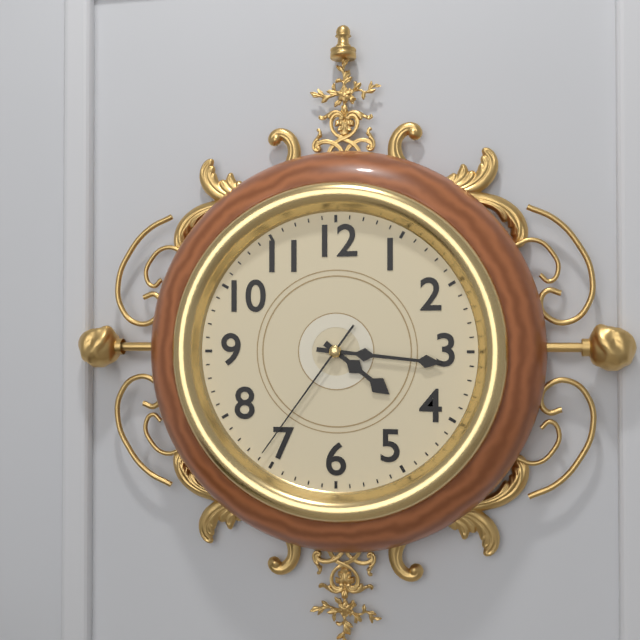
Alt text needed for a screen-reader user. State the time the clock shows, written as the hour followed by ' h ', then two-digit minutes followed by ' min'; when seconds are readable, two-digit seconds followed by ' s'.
4 h 16 min 36 s
